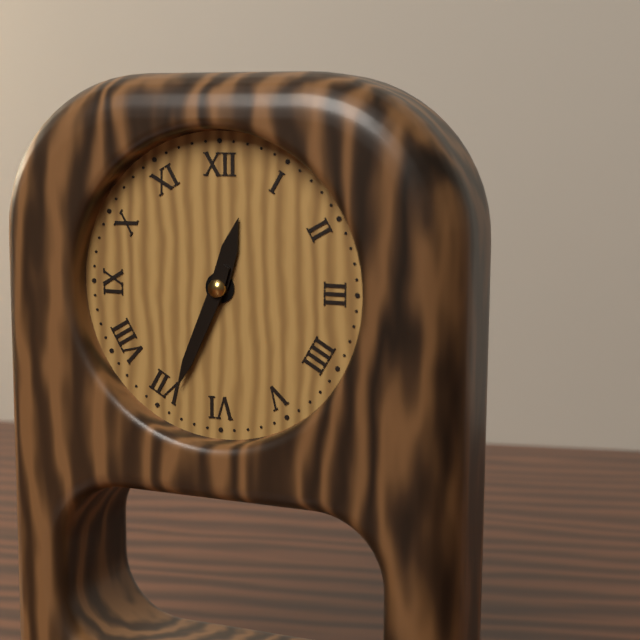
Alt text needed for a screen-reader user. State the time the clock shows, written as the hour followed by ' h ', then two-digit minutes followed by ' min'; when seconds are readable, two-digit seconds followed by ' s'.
12 h 34 min
